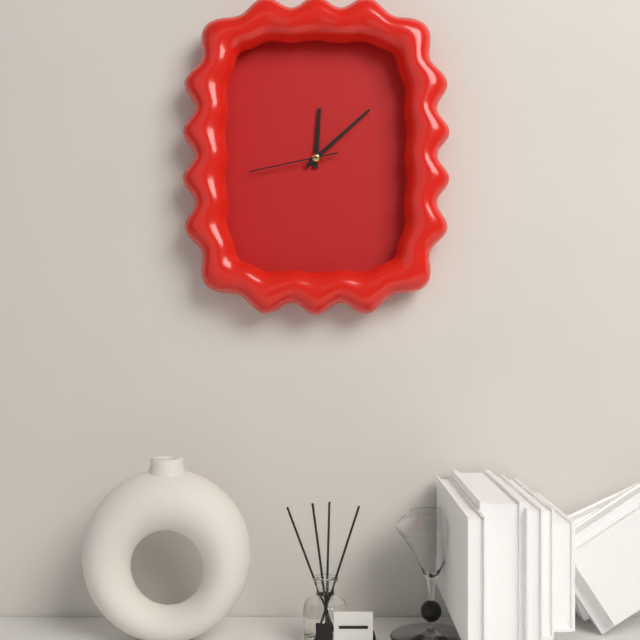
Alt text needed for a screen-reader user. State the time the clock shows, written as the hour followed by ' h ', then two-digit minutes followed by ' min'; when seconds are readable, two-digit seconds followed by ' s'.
12 h 08 min 43 s
